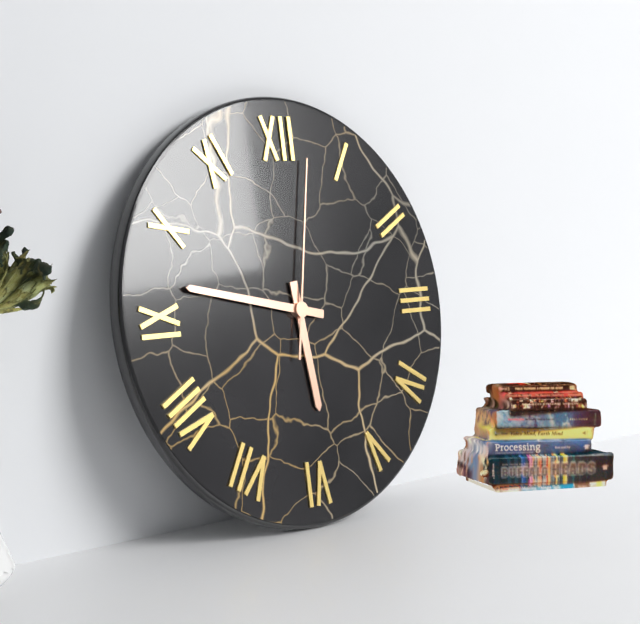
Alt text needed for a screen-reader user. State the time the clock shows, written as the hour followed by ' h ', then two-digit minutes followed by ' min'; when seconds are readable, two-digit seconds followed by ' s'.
5 h 47 min 02 s
